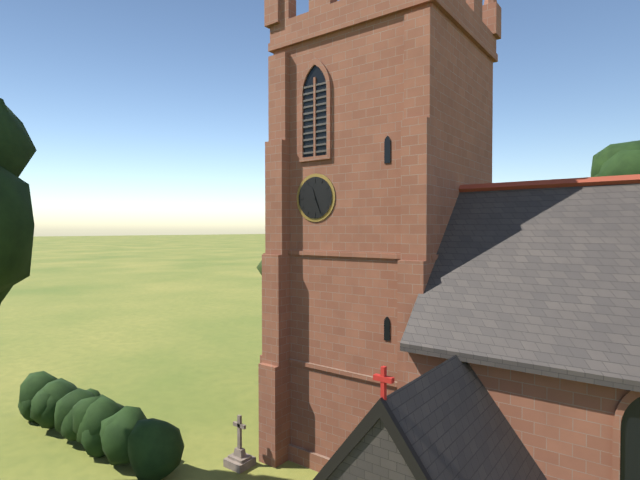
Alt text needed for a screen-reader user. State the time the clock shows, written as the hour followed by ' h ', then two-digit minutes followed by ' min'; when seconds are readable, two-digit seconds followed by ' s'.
11 h 26 min
